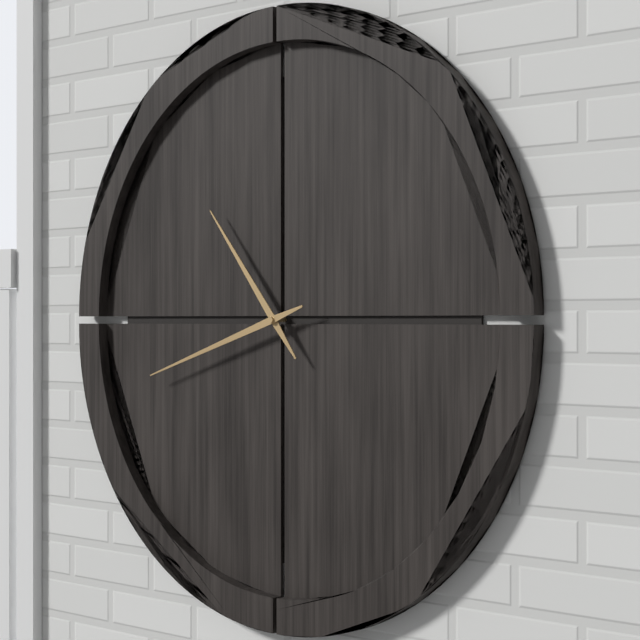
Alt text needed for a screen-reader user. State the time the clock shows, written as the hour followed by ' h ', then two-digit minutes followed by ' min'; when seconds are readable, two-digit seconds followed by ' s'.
10 h 42 min
